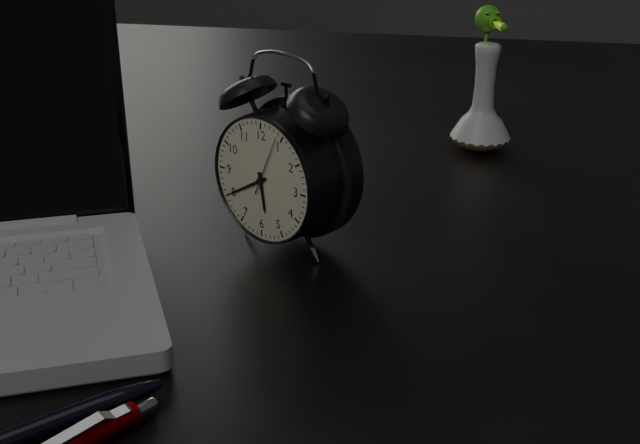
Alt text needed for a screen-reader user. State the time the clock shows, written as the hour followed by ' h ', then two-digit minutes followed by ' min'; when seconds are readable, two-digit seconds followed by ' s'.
5 h 40 min
